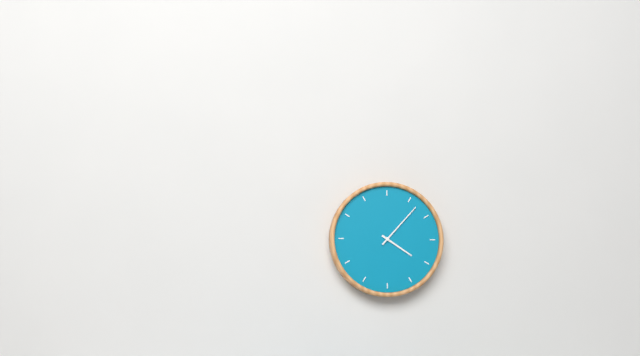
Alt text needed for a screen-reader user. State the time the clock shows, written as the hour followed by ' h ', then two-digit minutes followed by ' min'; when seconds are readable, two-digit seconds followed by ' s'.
4 h 07 min
